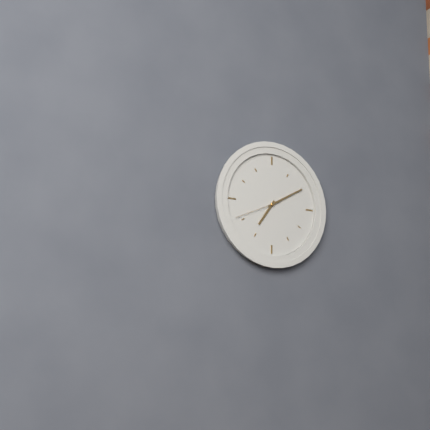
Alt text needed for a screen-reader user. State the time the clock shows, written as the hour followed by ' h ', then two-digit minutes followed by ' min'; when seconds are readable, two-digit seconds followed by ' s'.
7 h 10 min
